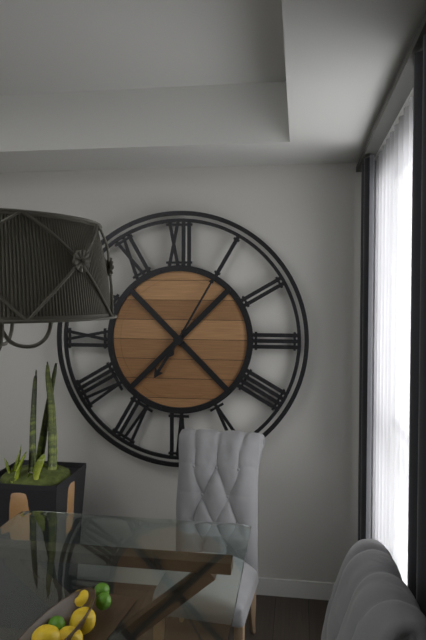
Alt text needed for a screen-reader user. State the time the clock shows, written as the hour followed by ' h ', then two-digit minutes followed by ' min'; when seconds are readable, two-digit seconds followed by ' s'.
7 h 05 min
